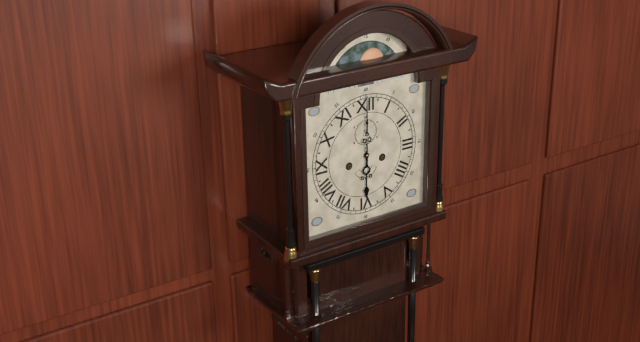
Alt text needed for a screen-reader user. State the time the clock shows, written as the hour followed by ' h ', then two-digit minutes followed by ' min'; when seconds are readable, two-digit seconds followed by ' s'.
6 h 00 min
